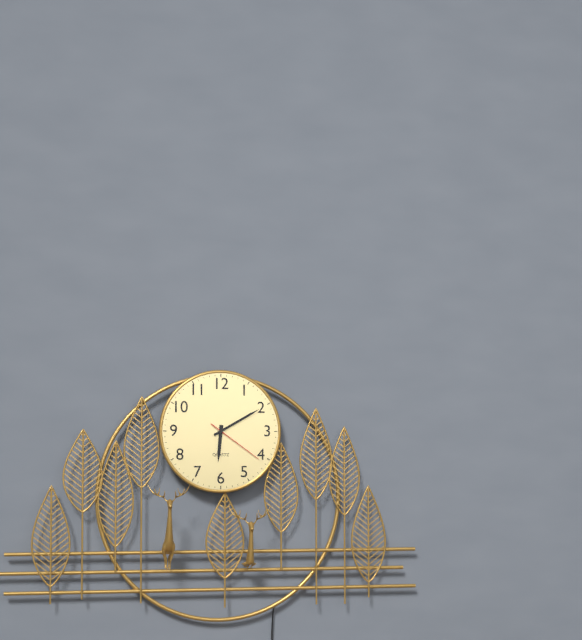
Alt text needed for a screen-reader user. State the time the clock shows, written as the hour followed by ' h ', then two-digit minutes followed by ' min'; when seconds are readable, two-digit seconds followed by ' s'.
6 h 10 min 21 s
